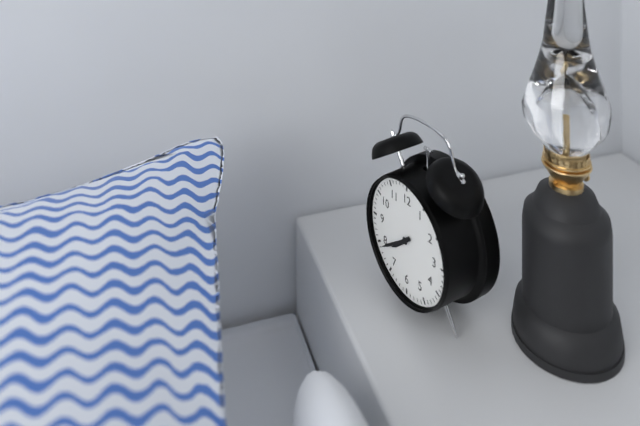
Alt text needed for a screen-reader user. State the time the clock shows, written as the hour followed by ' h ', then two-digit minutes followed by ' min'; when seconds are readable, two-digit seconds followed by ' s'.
7 h 39 min
